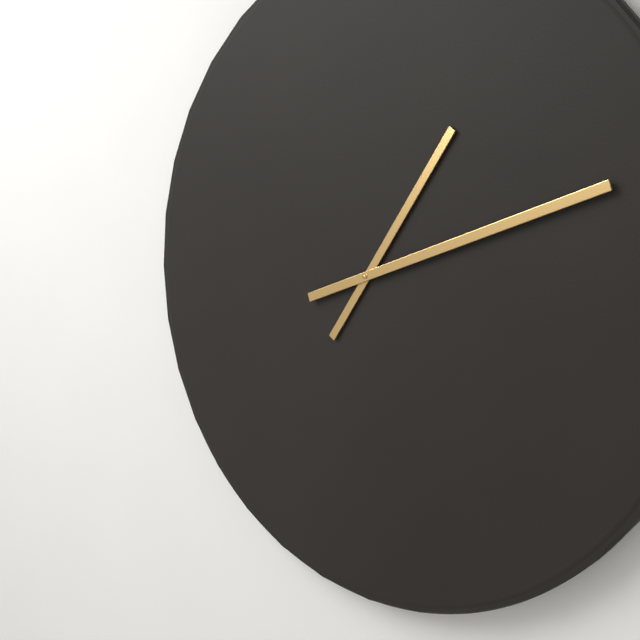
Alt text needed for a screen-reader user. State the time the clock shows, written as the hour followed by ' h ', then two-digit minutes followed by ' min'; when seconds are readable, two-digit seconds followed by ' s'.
1 h 12 min
